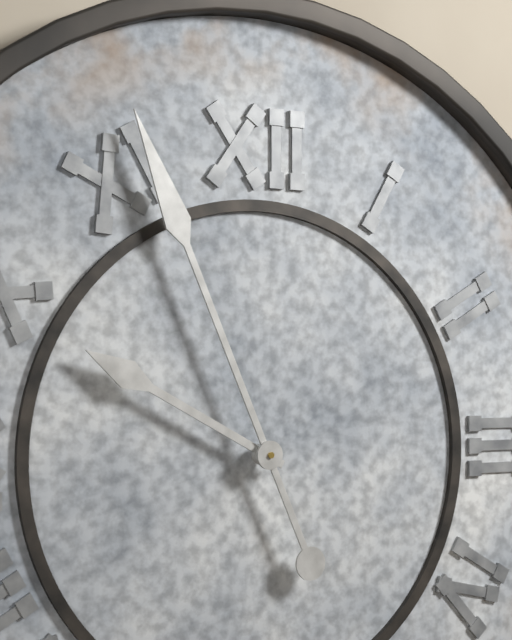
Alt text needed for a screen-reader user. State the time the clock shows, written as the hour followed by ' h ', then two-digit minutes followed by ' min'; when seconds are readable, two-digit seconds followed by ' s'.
9 h 56 min
